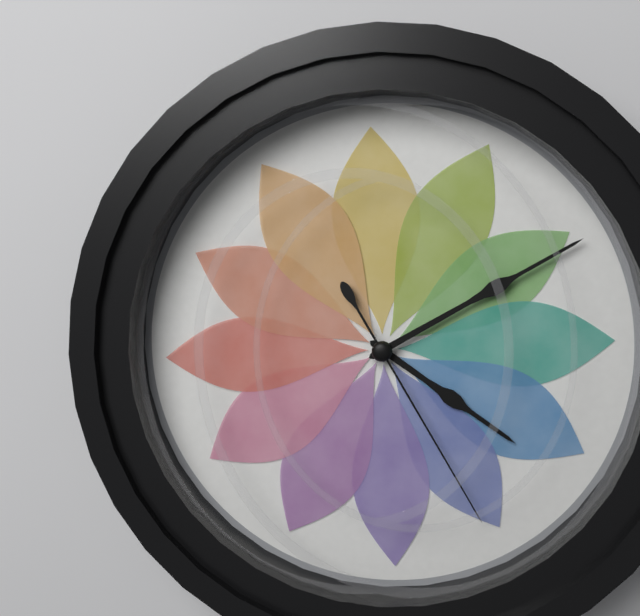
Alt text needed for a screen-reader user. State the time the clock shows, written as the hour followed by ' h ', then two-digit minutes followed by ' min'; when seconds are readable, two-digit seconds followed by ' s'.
4 h 10 min 25 s
